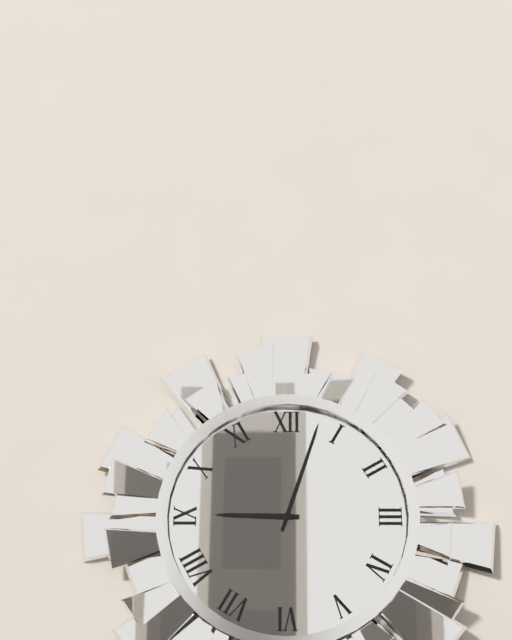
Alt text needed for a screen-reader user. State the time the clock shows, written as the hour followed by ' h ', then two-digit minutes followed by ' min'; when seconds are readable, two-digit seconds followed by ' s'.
9 h 03 min
